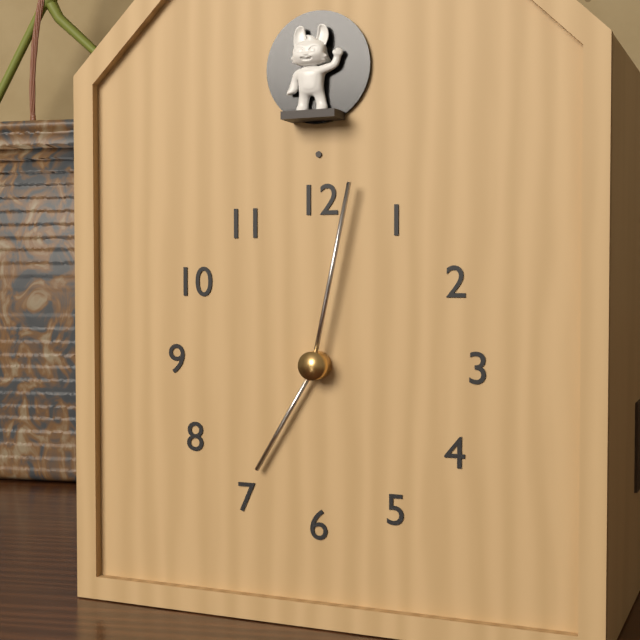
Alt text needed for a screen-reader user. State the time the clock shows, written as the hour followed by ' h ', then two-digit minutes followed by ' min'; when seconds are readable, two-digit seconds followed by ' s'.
7 h 02 min
